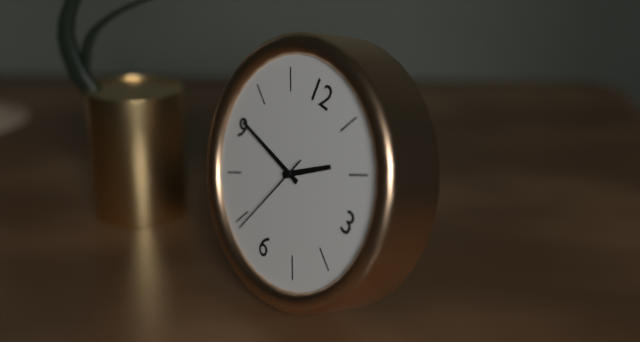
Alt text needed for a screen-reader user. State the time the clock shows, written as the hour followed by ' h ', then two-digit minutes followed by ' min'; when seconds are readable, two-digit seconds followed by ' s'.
1 h 46 min 34 s
